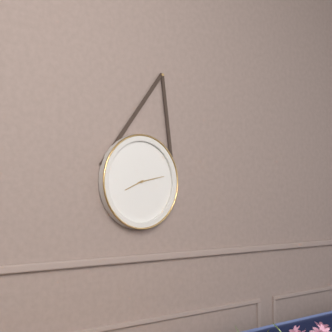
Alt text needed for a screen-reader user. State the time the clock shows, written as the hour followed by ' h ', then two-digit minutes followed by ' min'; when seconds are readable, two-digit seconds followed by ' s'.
8 h 13 min
